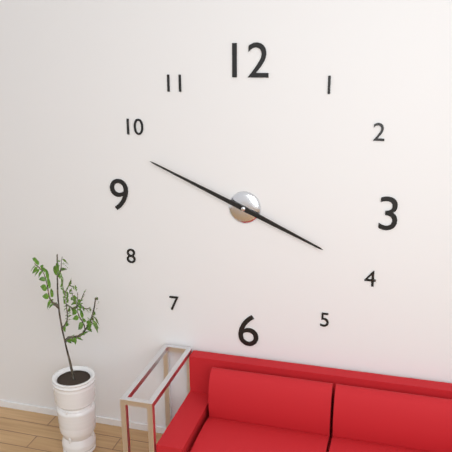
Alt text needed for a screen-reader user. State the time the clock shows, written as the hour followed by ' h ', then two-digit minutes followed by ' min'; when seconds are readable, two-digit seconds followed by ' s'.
3 h 49 min
